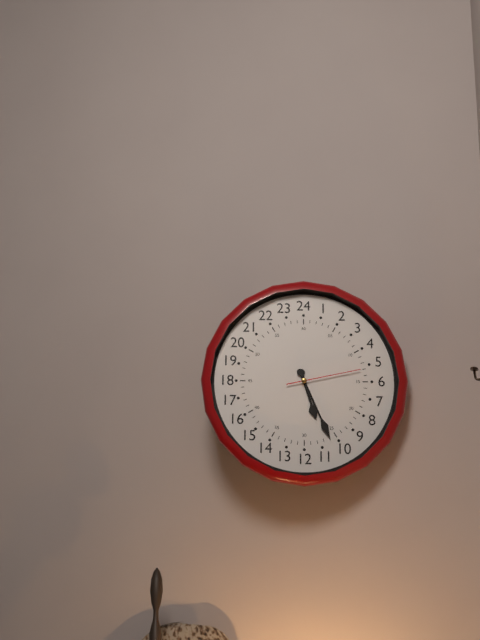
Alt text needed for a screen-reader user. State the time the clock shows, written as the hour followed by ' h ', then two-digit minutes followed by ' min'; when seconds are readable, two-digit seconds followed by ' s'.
5 h 26 min 13 s
